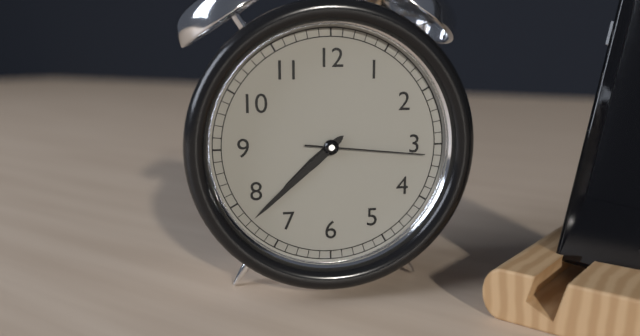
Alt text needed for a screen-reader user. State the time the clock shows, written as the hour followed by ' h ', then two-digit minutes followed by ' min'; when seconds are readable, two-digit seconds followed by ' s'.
7 h 38 min 16 s
